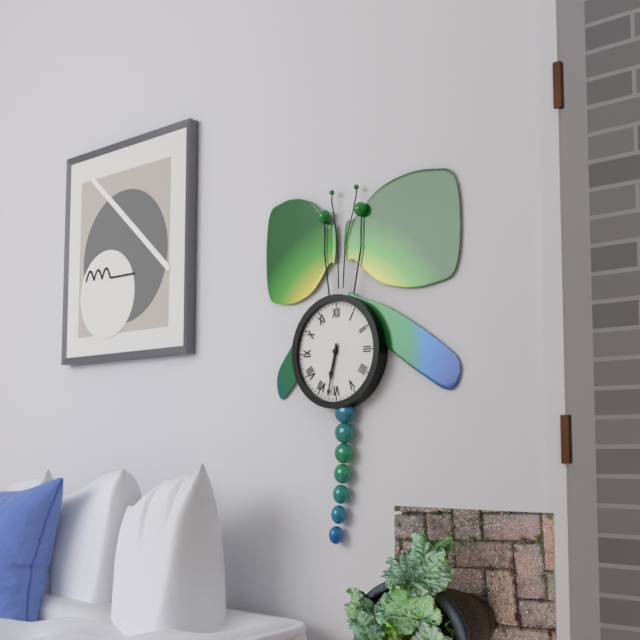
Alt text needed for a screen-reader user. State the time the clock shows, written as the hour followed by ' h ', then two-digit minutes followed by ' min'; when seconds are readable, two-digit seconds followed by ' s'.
6 h 32 min
